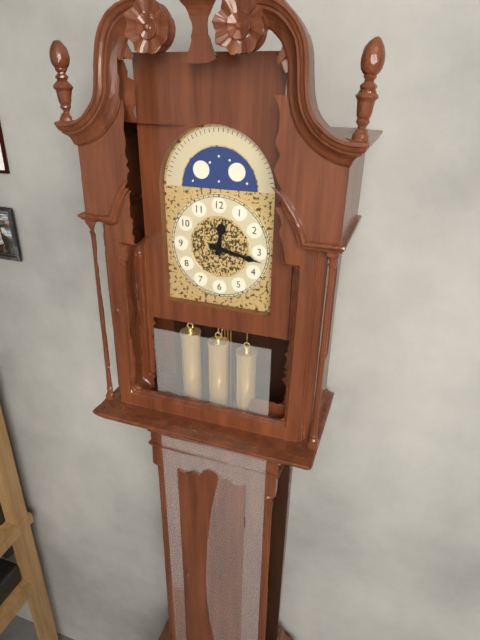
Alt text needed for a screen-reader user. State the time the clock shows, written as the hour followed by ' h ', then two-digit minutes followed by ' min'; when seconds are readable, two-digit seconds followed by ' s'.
12 h 17 min
